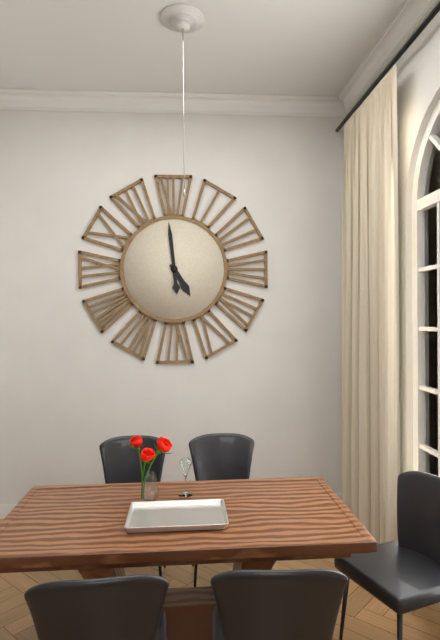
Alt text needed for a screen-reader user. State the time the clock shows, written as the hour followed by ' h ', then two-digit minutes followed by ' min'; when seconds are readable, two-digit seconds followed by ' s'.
4 h 59 min
